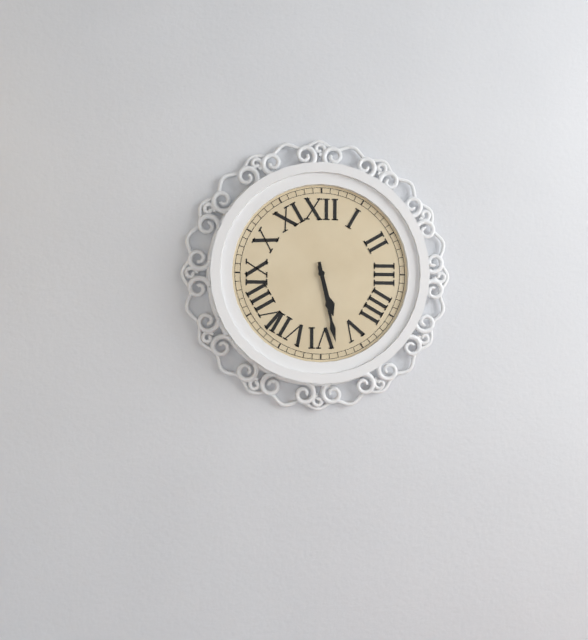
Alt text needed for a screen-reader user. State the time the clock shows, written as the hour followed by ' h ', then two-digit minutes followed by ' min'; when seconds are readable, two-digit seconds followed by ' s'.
5 h 28 min
